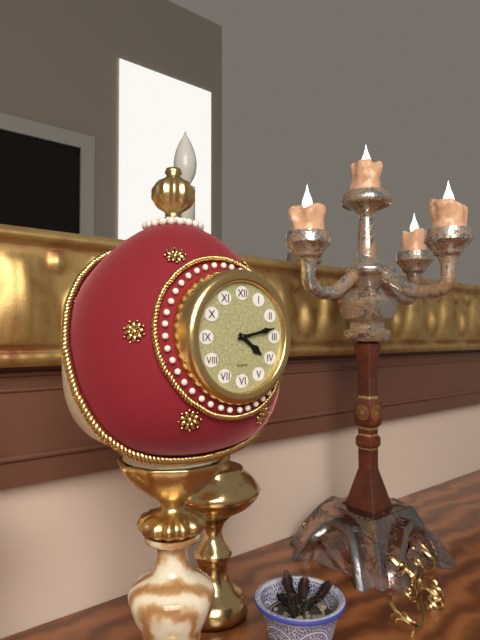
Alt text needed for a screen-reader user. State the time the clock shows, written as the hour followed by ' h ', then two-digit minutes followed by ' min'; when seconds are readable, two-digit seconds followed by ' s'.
4 h 13 min
